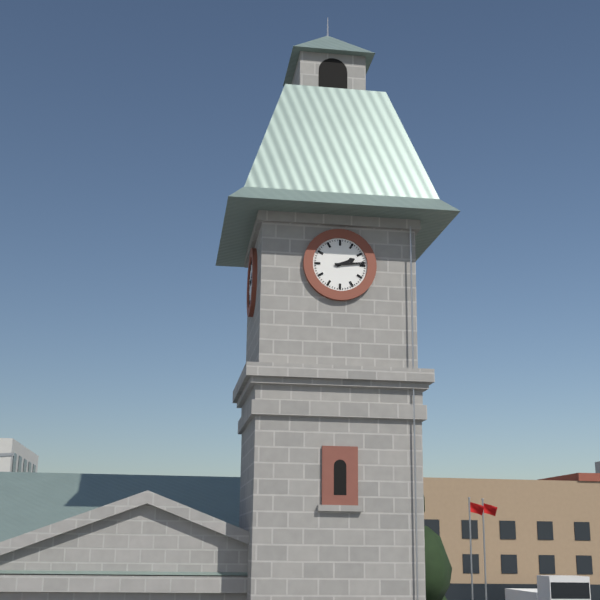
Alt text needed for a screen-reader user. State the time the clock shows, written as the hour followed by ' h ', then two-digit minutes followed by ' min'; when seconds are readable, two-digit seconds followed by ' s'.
2 h 14 min
